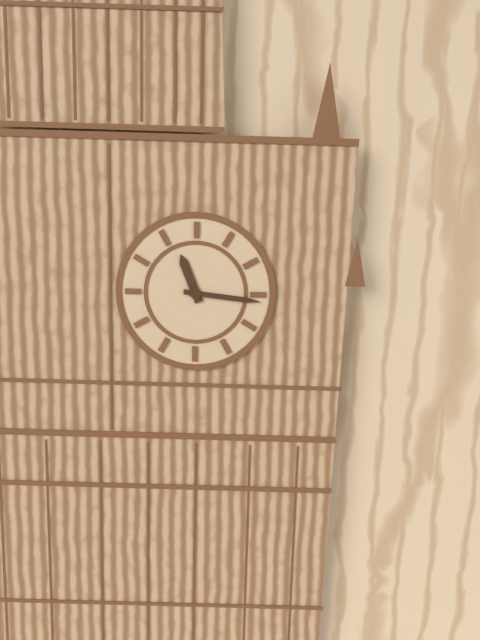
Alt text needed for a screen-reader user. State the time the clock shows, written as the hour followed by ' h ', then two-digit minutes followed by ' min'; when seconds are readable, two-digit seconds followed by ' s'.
11 h 16 min
